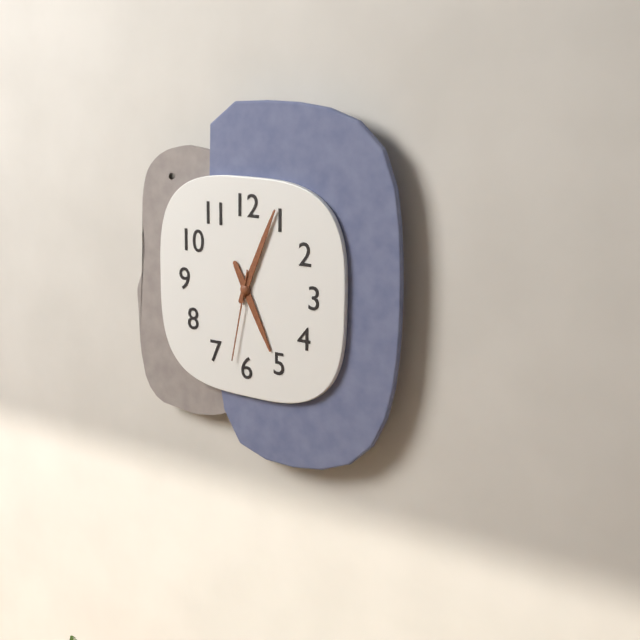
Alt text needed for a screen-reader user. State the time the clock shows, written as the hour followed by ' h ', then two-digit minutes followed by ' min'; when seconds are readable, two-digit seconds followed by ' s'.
5 h 04 min 32 s
